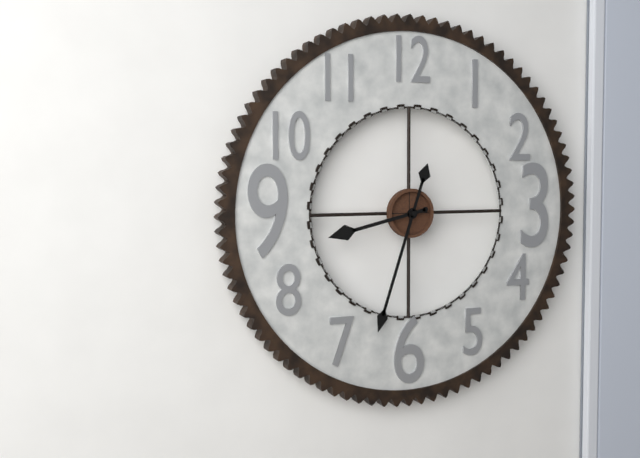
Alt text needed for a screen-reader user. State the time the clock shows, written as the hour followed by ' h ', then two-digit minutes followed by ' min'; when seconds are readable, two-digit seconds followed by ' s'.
8 h 33 min
